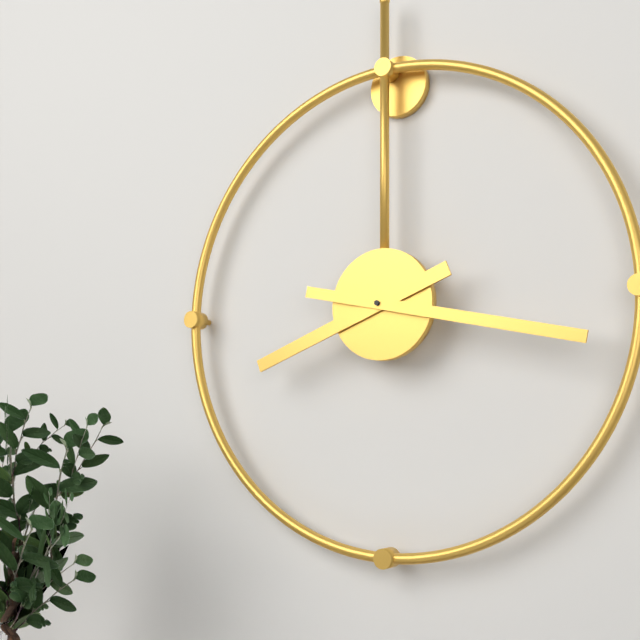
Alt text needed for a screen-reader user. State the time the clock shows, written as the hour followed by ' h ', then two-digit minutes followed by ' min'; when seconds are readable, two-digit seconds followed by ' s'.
8 h 17 min
